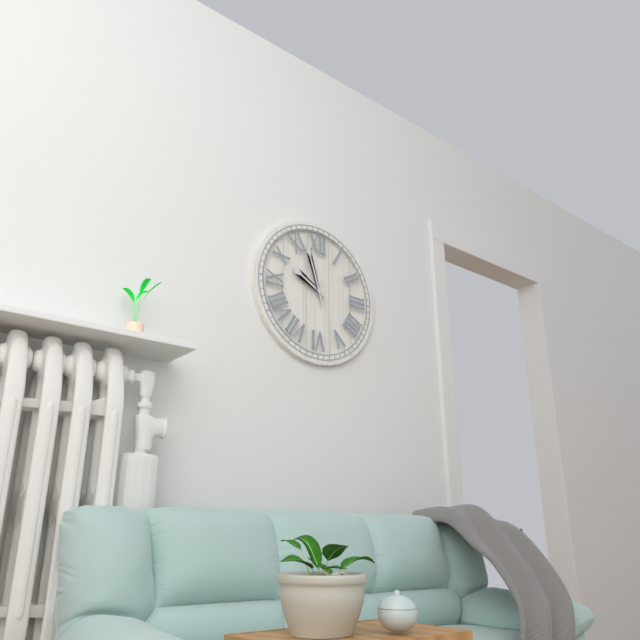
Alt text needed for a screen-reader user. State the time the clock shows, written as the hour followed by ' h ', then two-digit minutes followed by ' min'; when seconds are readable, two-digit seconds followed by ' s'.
9 h 57 min
